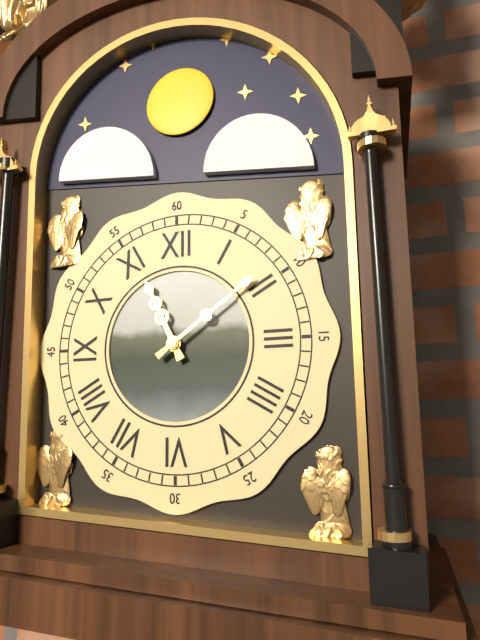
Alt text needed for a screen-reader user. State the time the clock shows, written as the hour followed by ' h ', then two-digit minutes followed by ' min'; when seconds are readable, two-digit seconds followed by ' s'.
11 h 09 min
